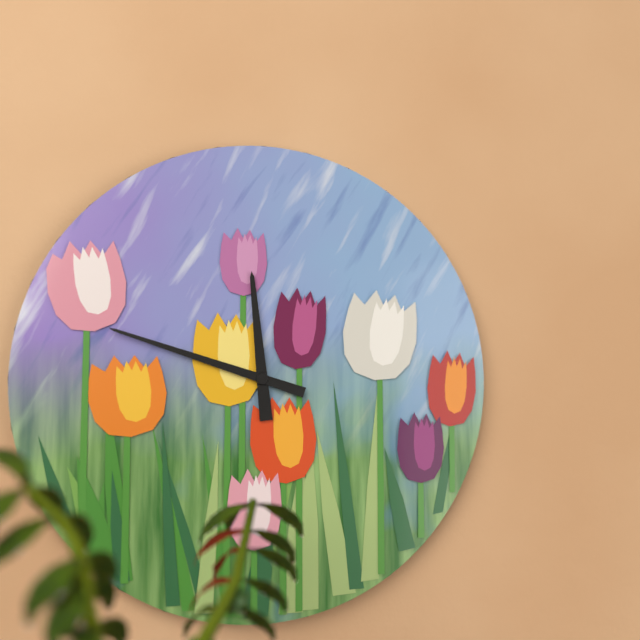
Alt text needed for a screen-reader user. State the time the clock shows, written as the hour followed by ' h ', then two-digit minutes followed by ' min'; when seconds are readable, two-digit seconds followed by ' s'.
11 h 48 min
